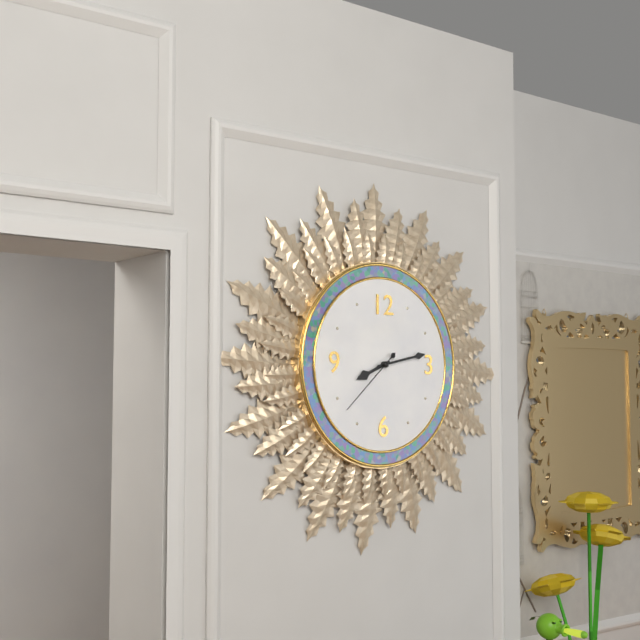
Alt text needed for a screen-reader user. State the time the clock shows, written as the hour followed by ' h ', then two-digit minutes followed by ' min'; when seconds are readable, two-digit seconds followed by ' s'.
8 h 13 min 38 s
